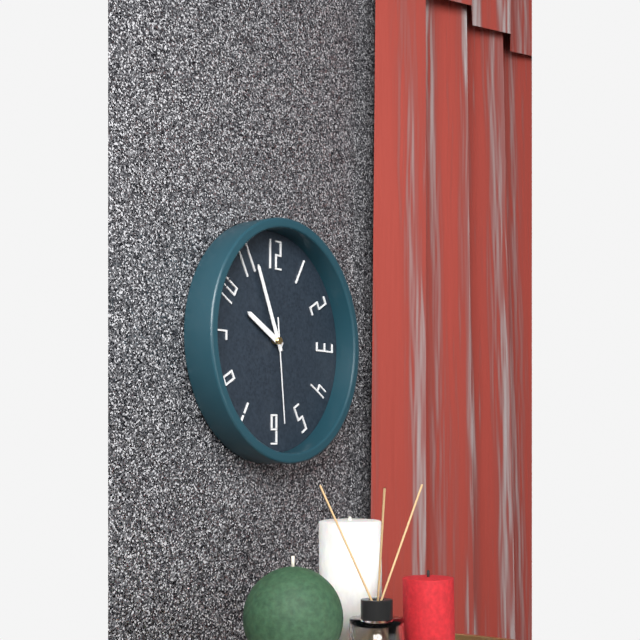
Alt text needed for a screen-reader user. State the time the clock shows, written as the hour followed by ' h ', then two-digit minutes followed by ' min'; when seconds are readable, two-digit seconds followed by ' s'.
9 h 56 min 29 s
